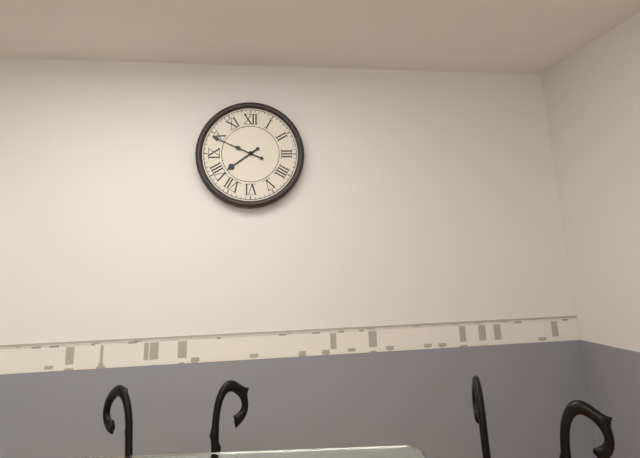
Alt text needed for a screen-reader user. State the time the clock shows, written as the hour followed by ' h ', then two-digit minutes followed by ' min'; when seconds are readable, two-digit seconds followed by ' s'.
7 h 49 min
